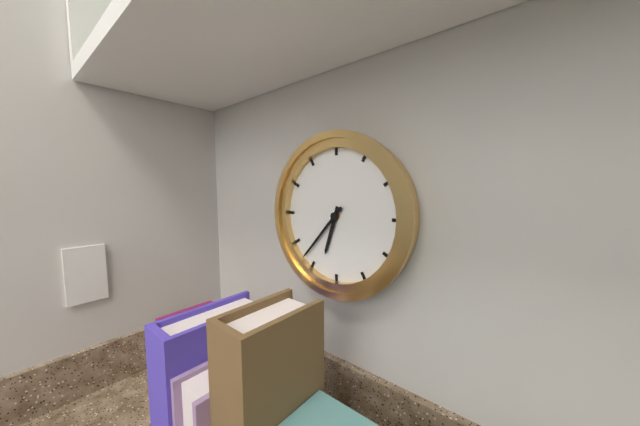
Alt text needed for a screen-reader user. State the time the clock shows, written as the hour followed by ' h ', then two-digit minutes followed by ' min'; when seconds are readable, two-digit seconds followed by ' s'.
6 h 37 min
